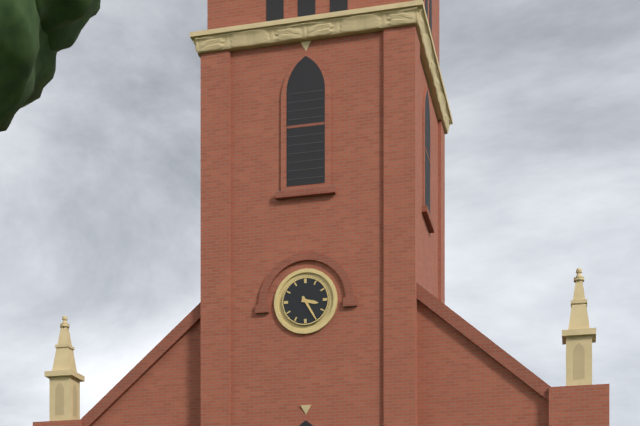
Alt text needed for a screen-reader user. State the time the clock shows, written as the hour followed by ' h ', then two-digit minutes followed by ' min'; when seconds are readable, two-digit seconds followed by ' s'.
3 h 25 min
